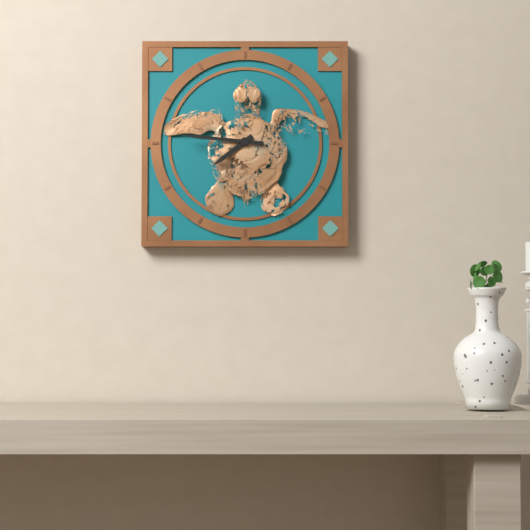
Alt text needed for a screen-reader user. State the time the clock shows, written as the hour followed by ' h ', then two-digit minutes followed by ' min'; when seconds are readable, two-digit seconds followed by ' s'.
7 h 46 min
